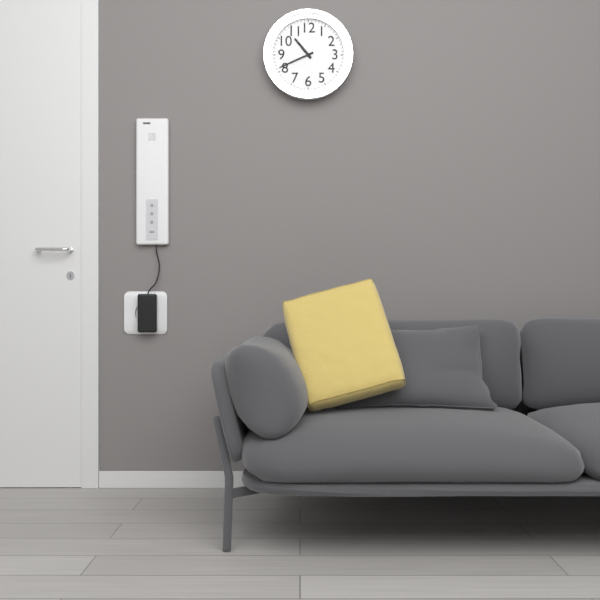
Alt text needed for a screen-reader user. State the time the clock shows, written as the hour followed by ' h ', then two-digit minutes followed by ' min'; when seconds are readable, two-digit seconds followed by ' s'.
10 h 41 min
